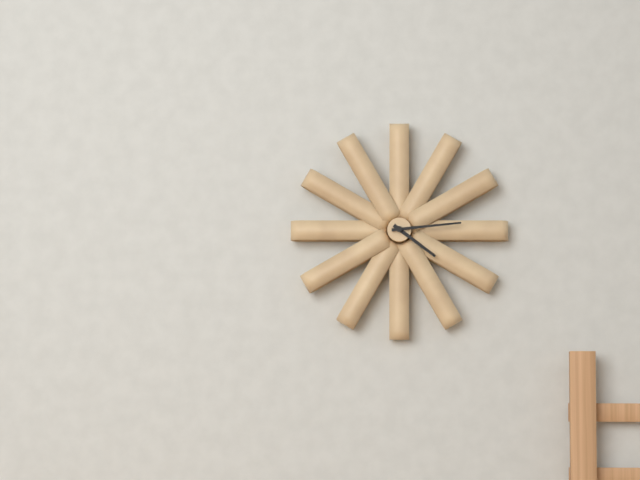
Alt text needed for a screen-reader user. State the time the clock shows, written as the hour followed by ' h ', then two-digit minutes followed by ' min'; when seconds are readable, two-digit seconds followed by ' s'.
4 h 14 min
